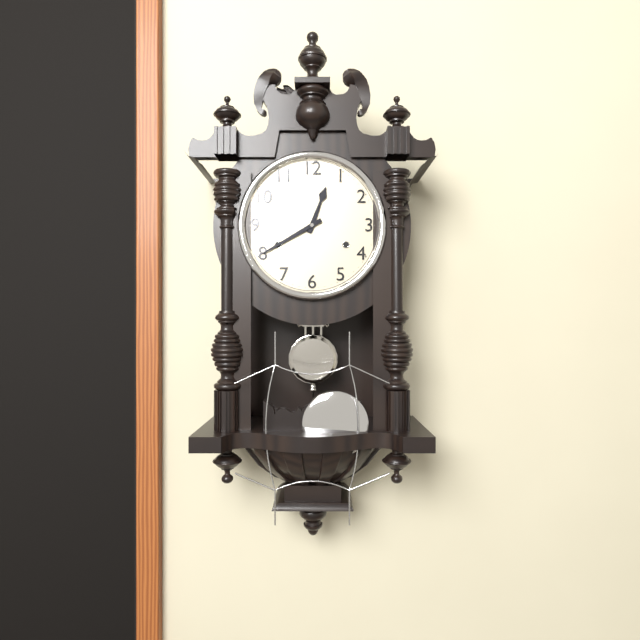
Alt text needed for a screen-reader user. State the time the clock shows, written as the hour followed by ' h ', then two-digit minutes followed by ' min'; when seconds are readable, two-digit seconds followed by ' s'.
12 h 40 min
